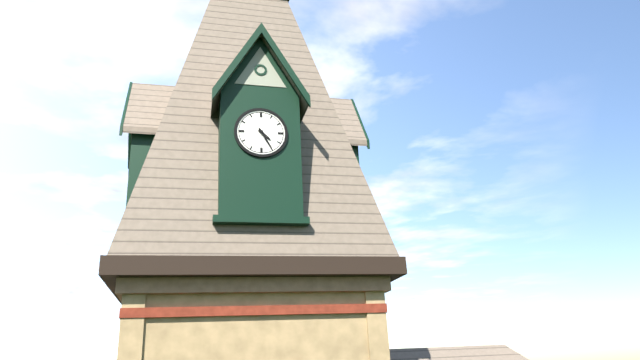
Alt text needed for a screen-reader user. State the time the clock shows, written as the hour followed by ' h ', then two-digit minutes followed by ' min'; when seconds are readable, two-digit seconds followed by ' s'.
4 h 25 min
